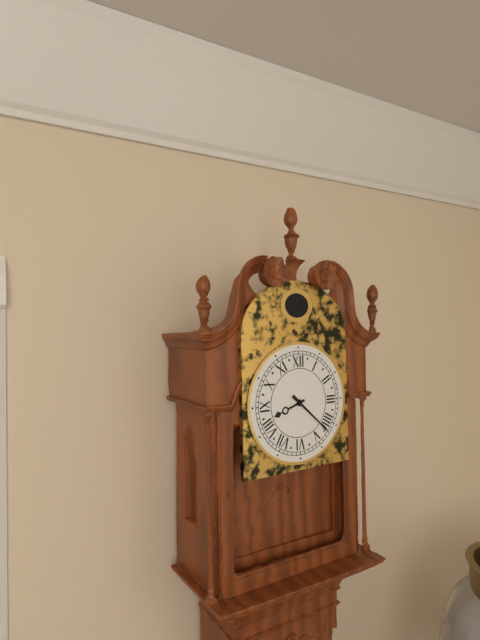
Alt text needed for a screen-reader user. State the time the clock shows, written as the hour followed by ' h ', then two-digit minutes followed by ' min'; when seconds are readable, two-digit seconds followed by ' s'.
8 h 22 min
